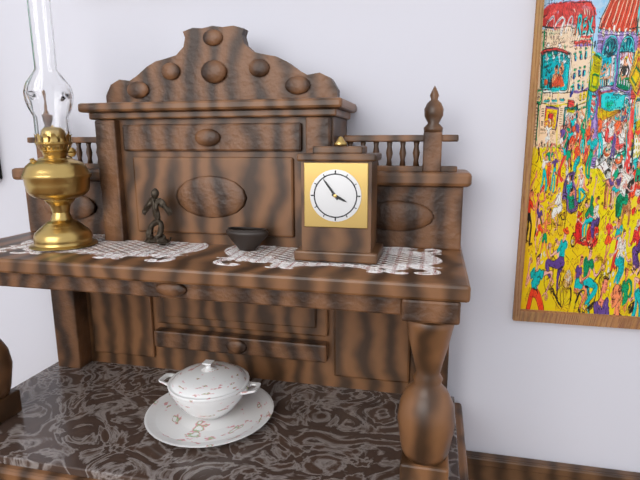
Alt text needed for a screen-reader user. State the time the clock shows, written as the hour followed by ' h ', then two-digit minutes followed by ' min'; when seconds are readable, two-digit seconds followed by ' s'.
3 h 54 min
